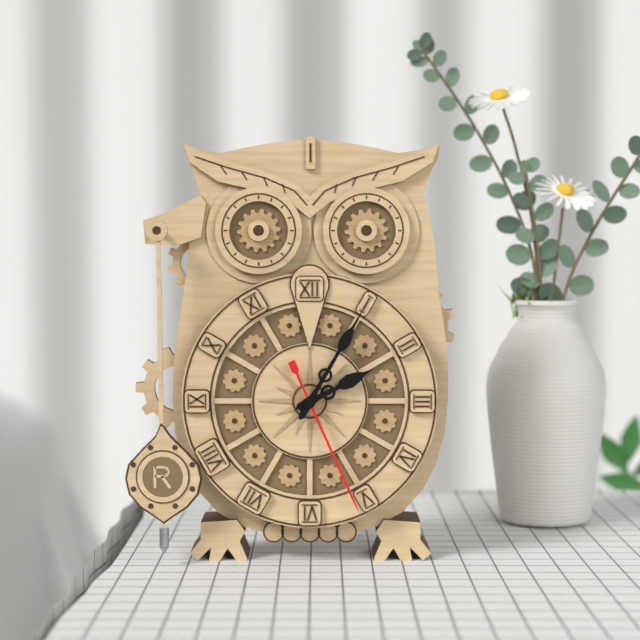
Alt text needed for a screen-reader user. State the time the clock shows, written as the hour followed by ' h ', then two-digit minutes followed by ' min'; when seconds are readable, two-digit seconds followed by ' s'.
2 h 05 min 26 s
